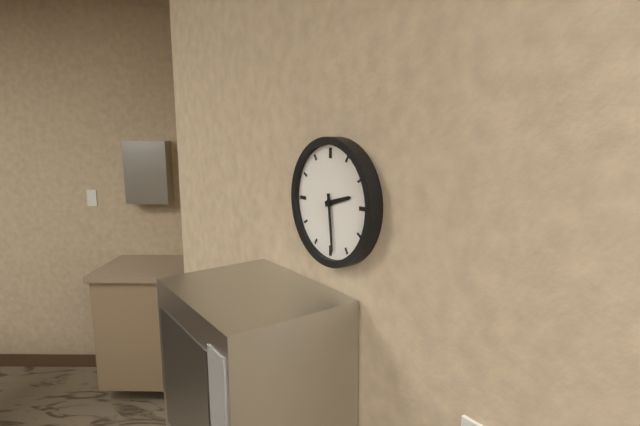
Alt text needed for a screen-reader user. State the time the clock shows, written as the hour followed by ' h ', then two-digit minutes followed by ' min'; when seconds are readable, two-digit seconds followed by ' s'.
2 h 29 min
